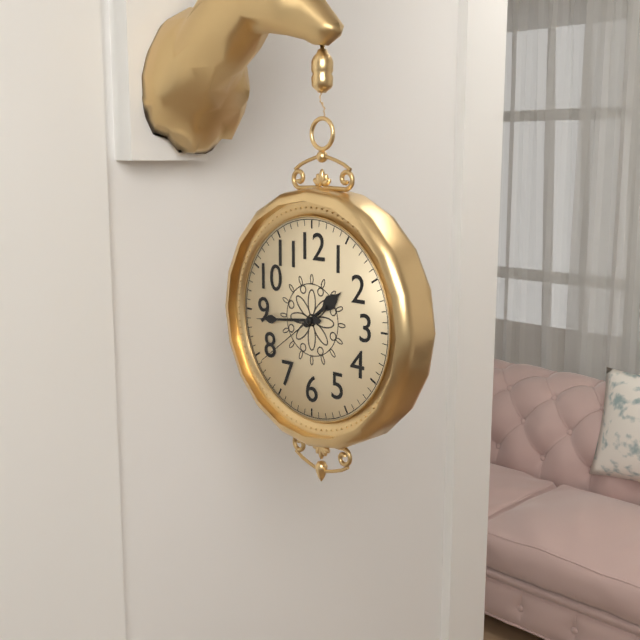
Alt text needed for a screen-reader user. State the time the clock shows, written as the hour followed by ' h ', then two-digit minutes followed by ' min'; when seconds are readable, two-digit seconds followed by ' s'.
1 h 44 min 39 s
